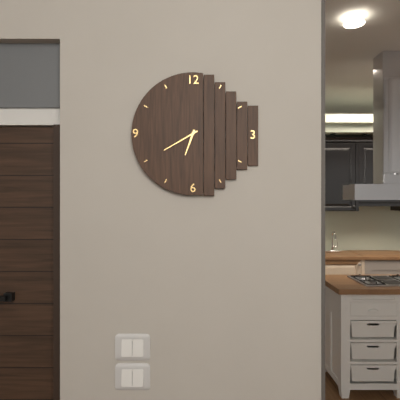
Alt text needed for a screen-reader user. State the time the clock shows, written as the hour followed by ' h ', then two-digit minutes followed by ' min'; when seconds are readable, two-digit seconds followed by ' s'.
6 h 40 min
